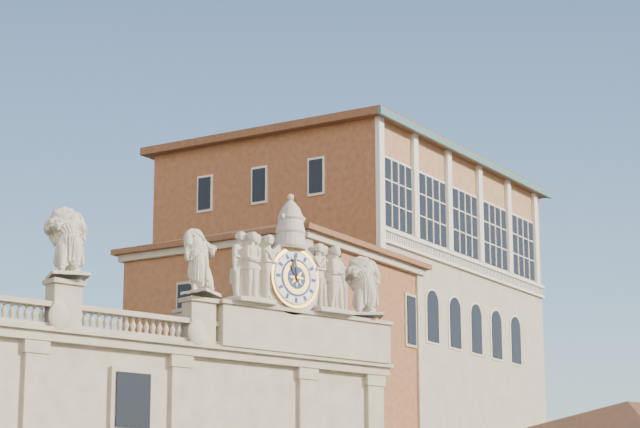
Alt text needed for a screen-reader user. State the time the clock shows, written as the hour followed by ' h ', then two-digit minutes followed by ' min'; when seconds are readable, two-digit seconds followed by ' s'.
10 h 58 min
